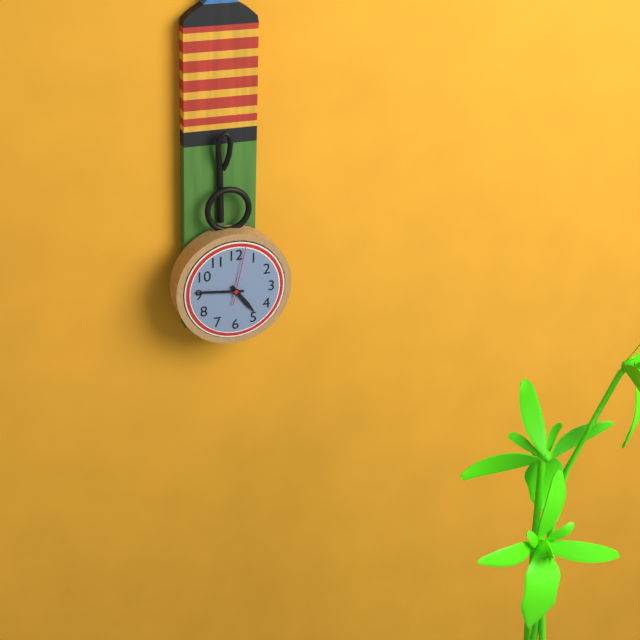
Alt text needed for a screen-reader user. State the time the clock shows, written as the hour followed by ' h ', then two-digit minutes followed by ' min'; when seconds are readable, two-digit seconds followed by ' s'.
4 h 46 min 02 s
